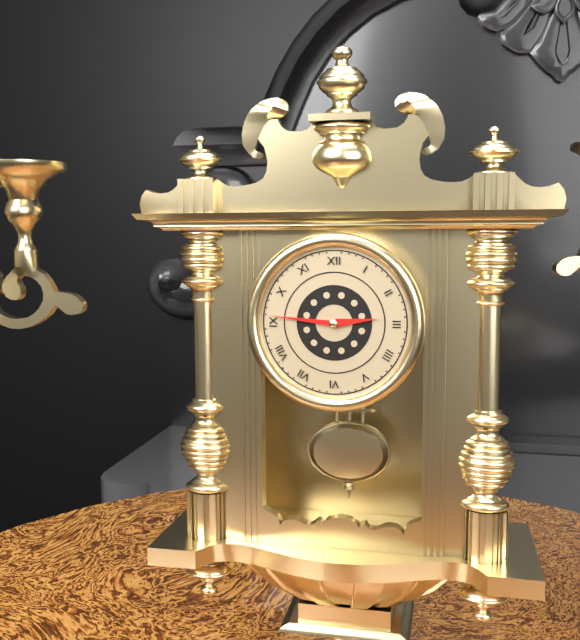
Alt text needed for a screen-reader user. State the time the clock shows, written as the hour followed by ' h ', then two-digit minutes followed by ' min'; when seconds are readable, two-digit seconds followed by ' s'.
2 h 46 min
